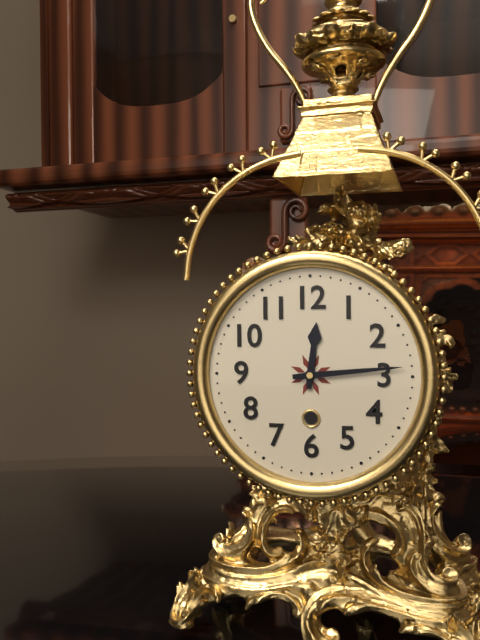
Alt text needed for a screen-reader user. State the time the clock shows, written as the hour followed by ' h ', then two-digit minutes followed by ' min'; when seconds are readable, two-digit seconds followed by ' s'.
12 h 14 min
